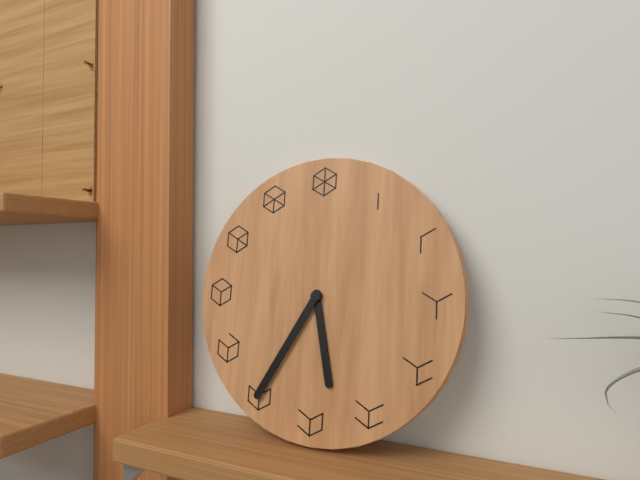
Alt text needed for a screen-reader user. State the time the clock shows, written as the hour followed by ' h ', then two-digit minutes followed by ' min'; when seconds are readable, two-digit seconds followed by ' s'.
5 h 35 min
